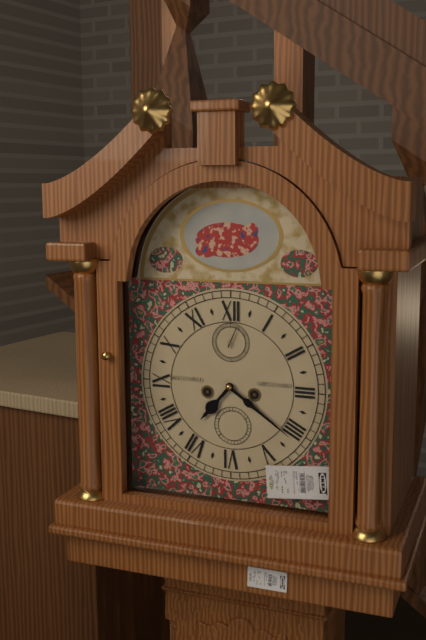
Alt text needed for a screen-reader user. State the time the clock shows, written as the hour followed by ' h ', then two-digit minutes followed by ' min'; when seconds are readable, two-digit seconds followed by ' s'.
7 h 21 min
